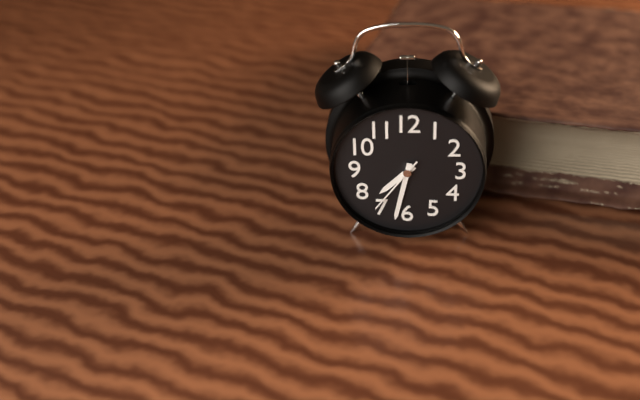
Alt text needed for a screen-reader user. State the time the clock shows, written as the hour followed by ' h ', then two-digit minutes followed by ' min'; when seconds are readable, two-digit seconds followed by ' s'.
7 h 32 min 36 s
